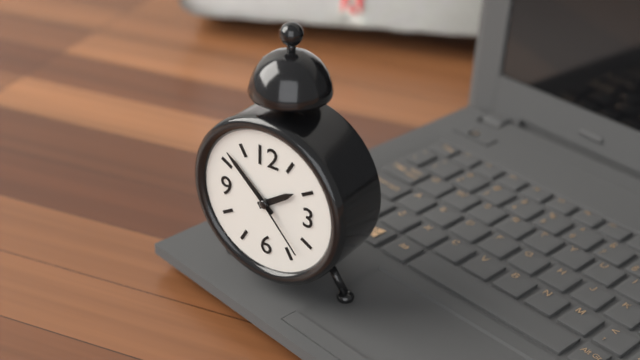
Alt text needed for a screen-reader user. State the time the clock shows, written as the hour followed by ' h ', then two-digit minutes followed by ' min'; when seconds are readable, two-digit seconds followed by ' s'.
1 h 52 min 23 s
